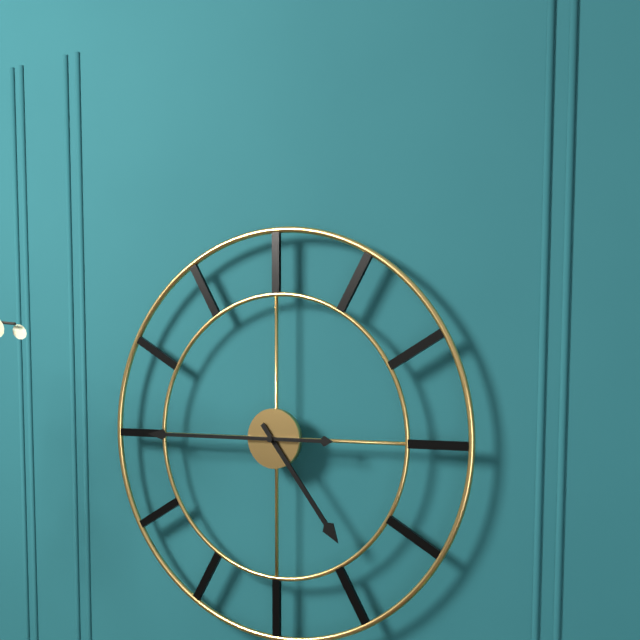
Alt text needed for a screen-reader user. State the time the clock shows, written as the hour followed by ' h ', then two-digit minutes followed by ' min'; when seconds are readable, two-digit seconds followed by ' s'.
4 h 45 min
